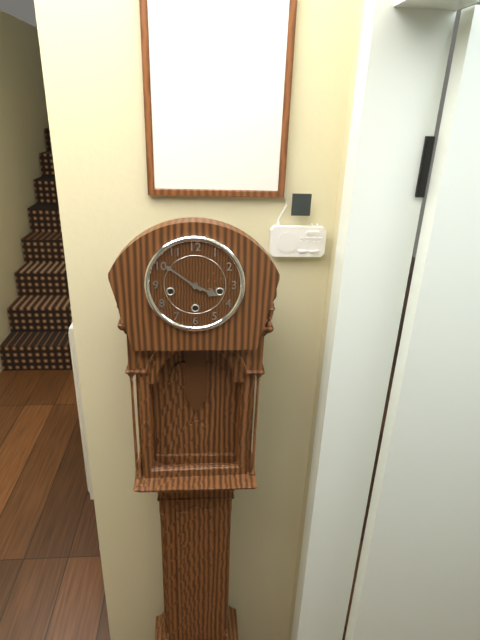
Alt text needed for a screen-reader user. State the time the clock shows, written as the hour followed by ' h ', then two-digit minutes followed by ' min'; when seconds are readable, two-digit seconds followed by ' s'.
3 h 51 min
